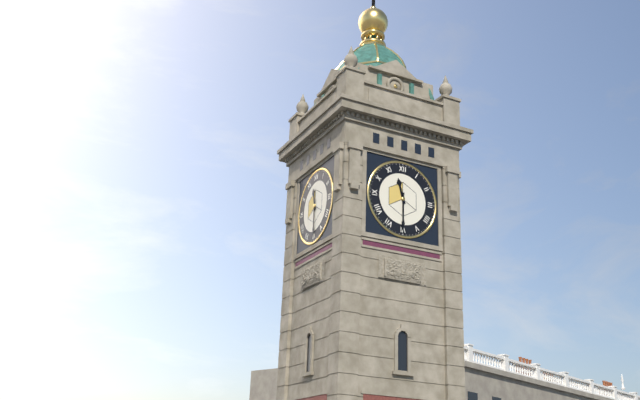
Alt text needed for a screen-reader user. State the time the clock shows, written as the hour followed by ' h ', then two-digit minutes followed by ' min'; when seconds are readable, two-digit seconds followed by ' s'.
11 h 30 min
